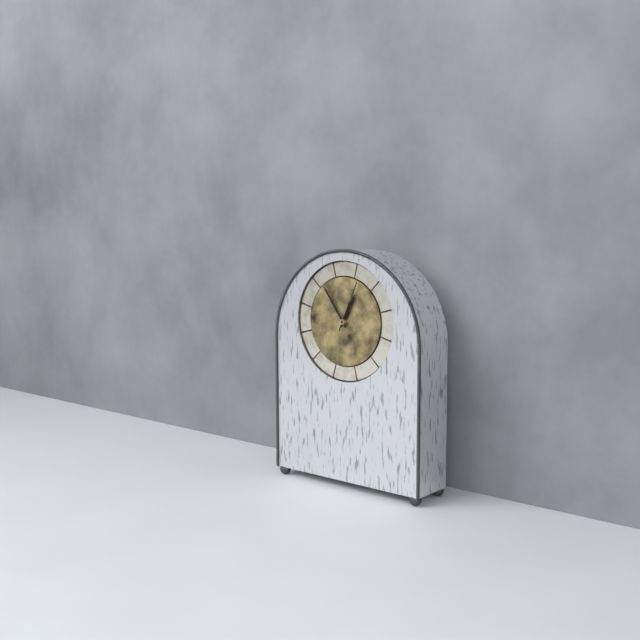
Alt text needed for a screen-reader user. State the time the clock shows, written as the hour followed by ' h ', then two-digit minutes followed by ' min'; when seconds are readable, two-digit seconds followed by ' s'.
12 h 54 min 04 s
